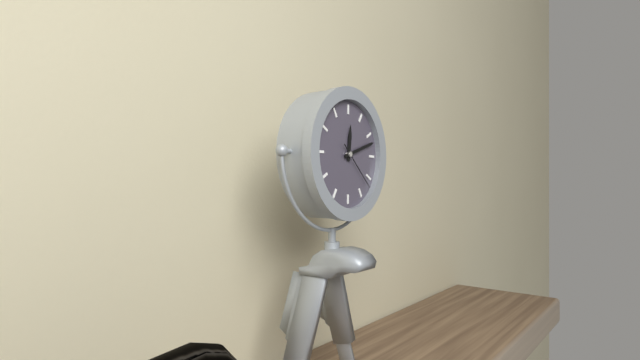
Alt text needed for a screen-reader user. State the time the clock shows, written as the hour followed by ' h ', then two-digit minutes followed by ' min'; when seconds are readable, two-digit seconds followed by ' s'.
12 h 12 min
